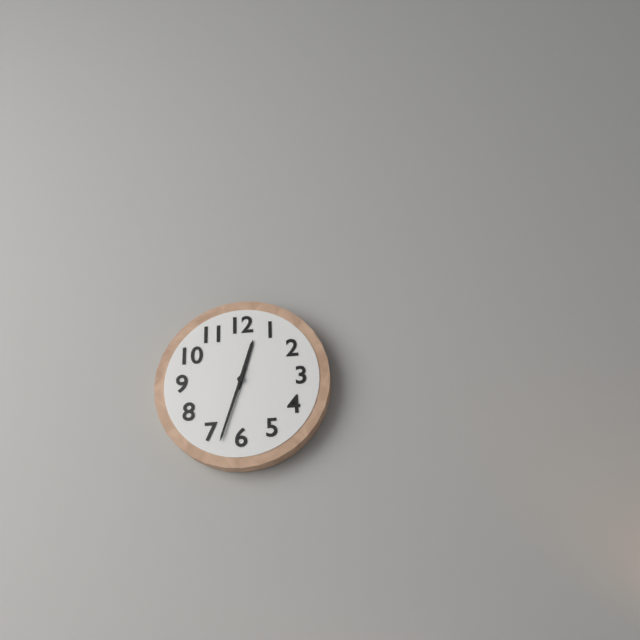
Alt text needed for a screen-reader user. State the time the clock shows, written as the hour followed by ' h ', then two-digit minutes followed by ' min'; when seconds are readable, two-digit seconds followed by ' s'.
12 h 33 min
